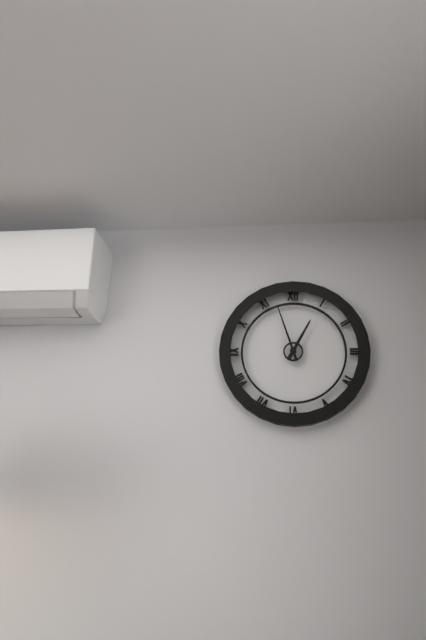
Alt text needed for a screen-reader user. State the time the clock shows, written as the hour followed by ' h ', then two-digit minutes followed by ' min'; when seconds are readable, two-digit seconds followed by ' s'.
12 h 57 min
